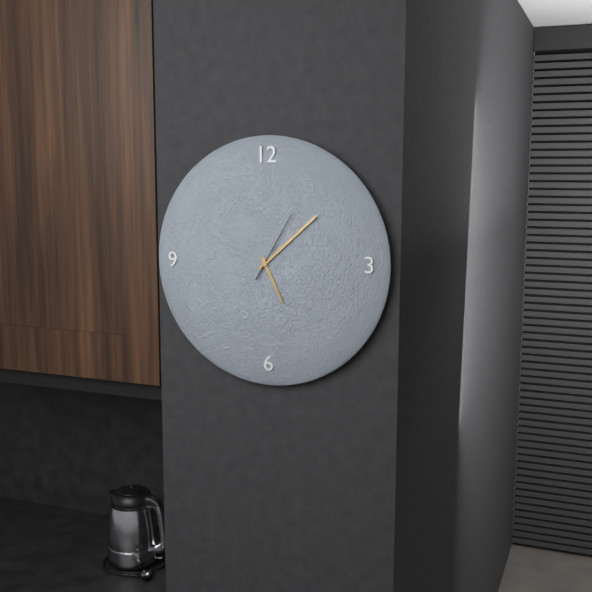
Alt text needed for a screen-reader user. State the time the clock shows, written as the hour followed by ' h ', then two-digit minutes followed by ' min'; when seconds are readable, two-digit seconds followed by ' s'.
5 h 08 min 05 s
